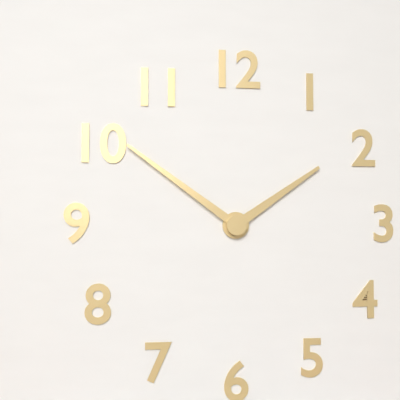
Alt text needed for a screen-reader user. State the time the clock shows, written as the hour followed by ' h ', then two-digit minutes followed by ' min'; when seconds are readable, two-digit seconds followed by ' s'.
1 h 51 min
